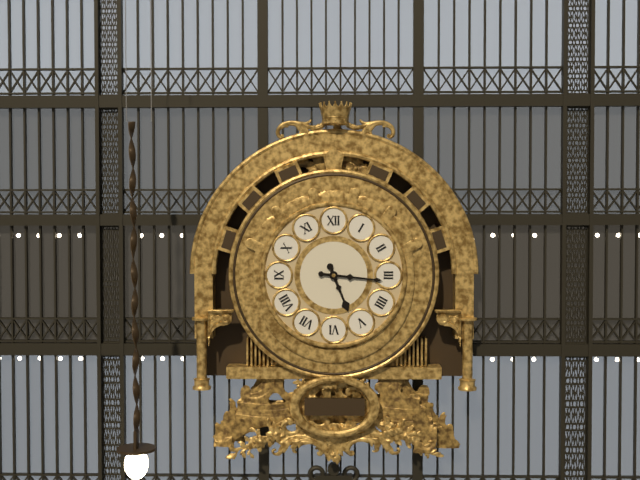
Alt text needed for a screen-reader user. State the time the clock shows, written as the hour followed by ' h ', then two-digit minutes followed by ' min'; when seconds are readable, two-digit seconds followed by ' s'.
5 h 16 min
